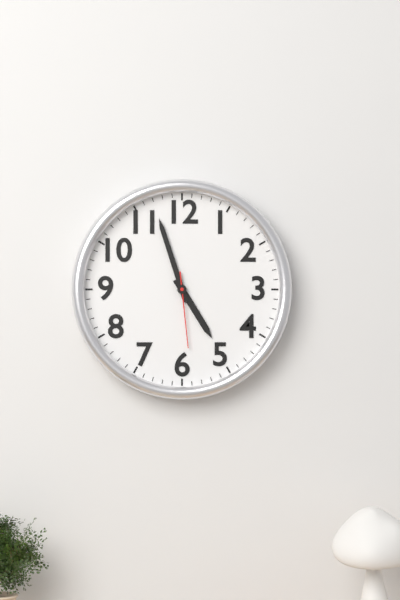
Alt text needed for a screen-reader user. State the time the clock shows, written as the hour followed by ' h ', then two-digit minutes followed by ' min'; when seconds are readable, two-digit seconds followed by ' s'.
4 h 57 min 29 s
